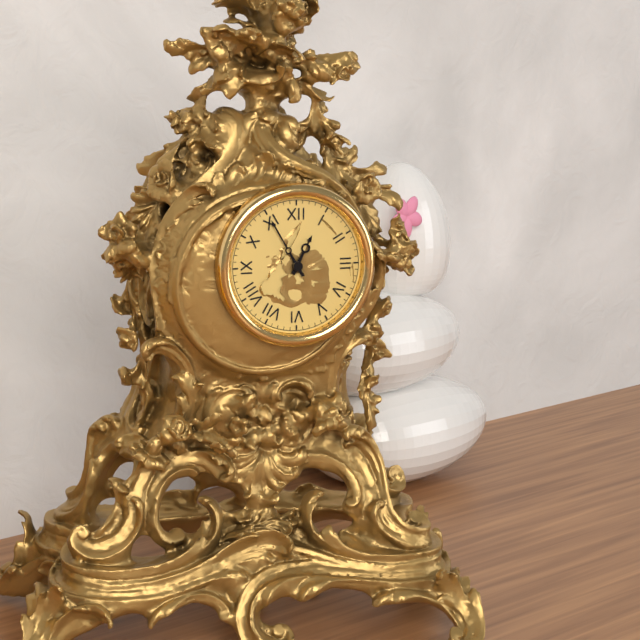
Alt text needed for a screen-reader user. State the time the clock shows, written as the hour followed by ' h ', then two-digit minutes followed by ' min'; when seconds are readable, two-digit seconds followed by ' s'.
12 h 55 min
